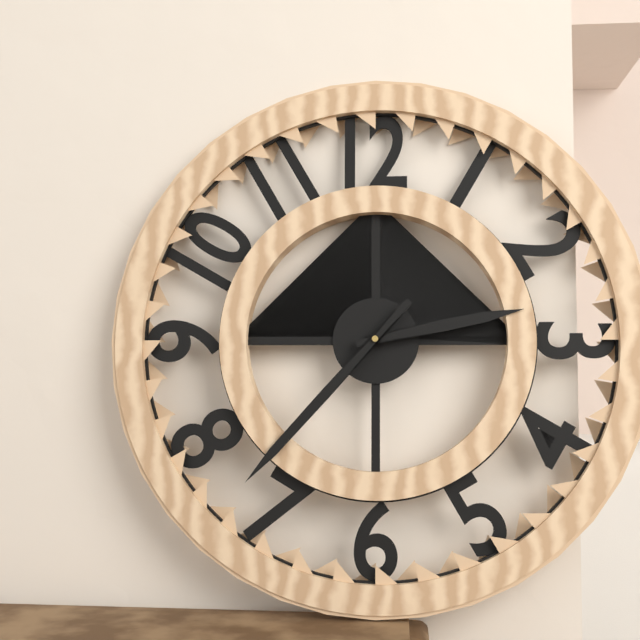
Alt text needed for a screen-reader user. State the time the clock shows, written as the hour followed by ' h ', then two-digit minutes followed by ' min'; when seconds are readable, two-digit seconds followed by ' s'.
2 h 37 min
